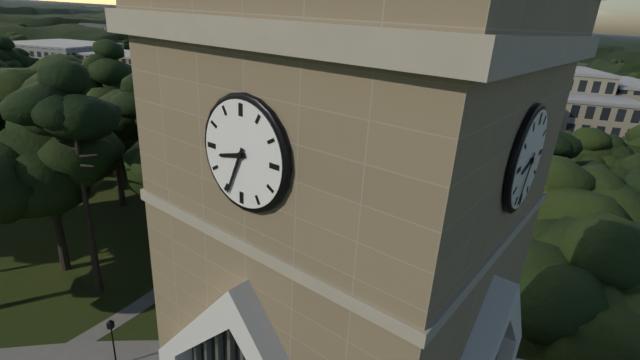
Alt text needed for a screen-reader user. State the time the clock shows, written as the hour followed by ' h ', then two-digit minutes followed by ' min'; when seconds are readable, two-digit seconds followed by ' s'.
8 h 34 min
